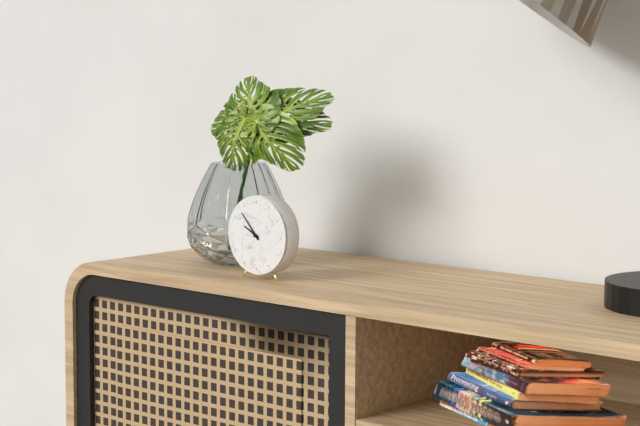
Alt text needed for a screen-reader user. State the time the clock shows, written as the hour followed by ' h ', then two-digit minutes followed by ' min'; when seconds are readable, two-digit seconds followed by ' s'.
9 h 53 min
